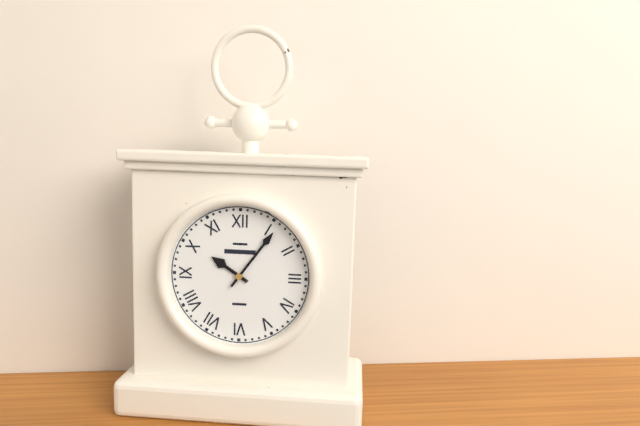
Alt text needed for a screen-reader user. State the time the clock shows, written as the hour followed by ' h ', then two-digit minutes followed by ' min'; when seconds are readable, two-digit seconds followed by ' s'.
10 h 06 min
